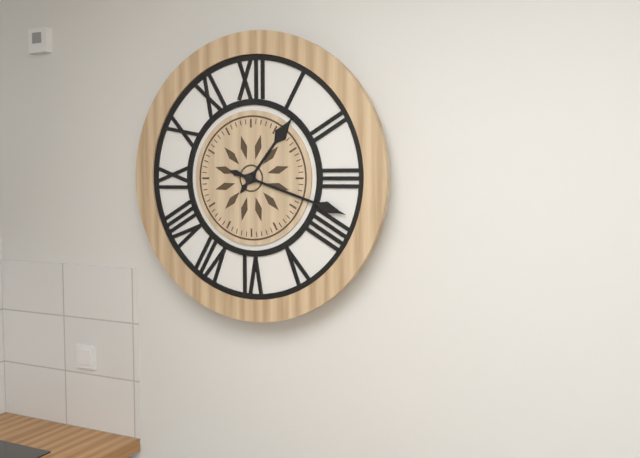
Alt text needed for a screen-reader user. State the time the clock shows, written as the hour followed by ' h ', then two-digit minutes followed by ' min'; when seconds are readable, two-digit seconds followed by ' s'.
1 h 18 min
